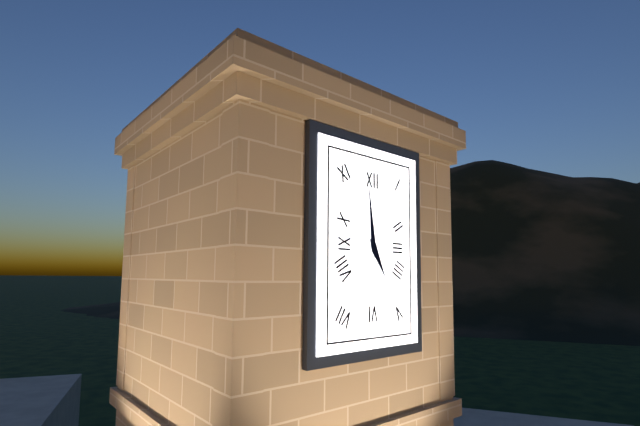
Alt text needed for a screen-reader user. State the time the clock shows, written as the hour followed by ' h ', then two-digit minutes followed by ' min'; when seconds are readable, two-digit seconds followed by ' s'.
4 h 59 min
